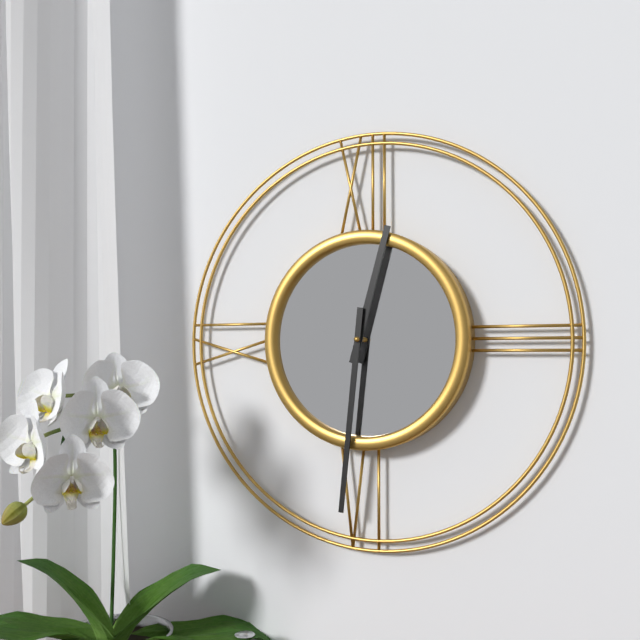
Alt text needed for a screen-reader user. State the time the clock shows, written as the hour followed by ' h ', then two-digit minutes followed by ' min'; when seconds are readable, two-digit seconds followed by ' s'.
12 h 31 min
